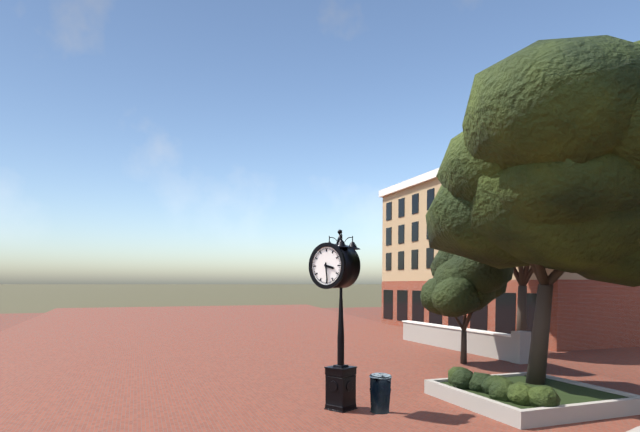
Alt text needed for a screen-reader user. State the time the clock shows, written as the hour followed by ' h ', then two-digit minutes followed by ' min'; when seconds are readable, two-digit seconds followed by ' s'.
3 h 29 min
